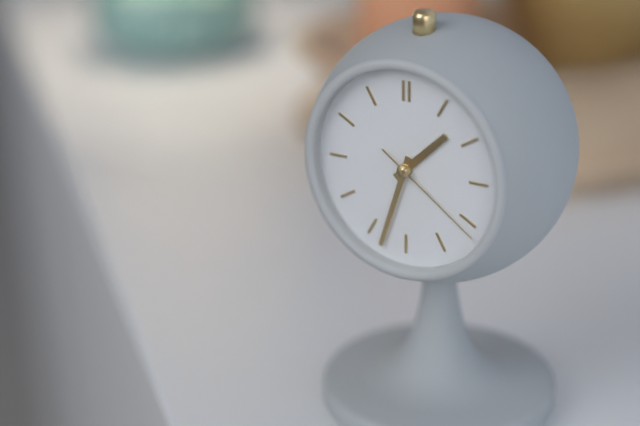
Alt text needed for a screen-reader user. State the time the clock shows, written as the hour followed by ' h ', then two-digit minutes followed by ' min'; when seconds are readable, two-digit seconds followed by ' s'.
1 h 33 min 21 s
